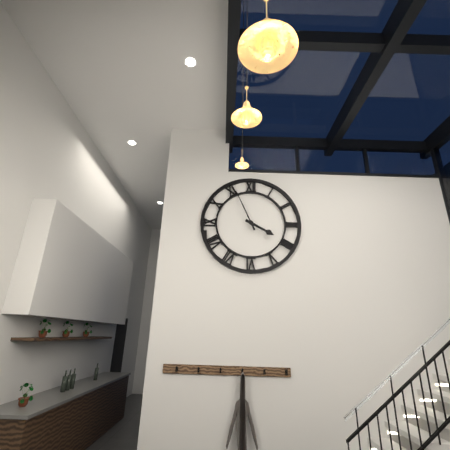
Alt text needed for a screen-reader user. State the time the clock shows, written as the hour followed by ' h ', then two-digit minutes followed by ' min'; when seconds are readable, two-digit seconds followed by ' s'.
3 h 56 min
